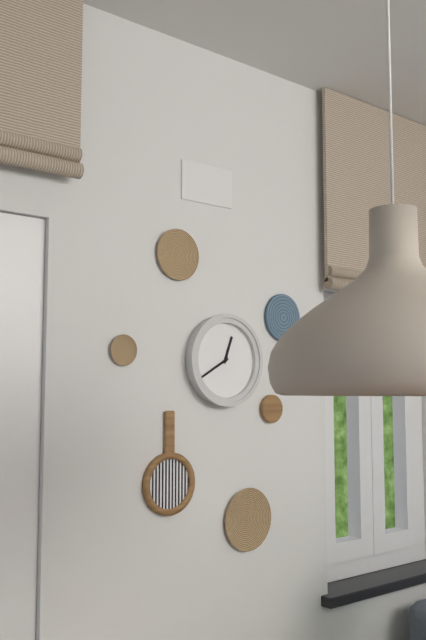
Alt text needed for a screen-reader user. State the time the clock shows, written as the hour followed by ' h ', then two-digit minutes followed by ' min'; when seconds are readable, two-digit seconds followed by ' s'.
12 h 40 min
